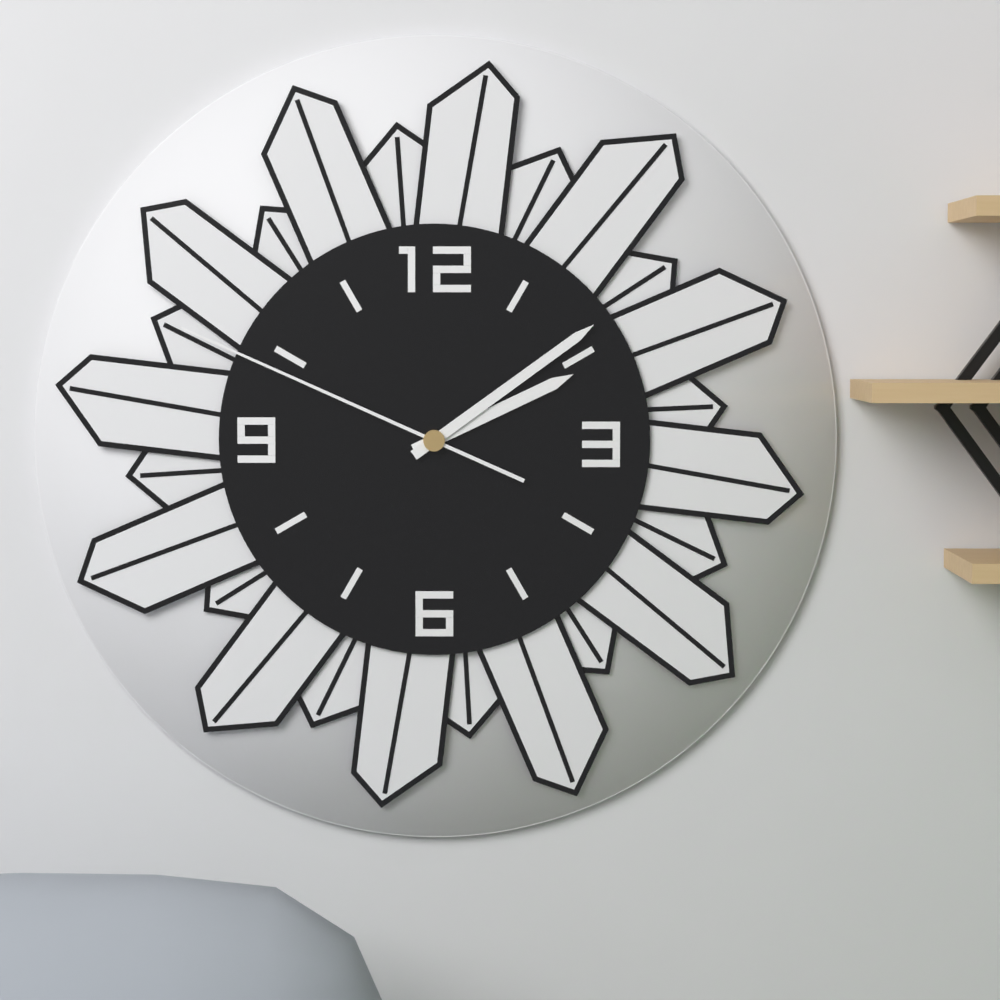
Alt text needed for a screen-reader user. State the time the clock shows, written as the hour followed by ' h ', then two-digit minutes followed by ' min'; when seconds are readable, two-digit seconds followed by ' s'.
2 h 09 min 49 s
